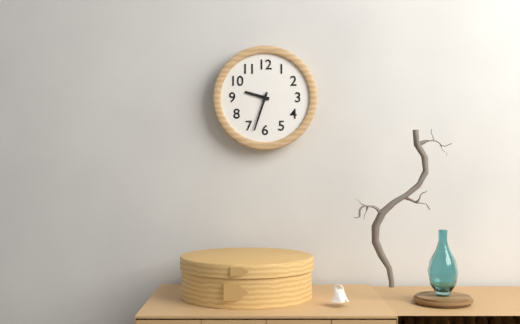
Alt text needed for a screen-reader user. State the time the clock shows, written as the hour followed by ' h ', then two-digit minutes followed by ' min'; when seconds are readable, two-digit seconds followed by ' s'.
9 h 33 min
